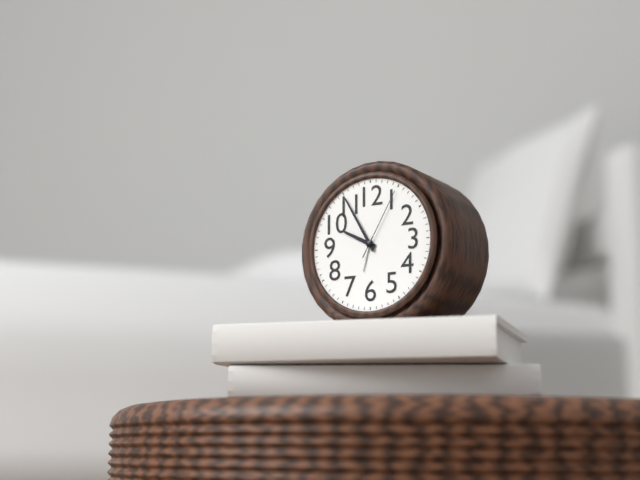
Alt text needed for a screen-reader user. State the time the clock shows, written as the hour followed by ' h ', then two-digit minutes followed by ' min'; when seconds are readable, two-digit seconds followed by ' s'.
9 h 55 min 05 s
